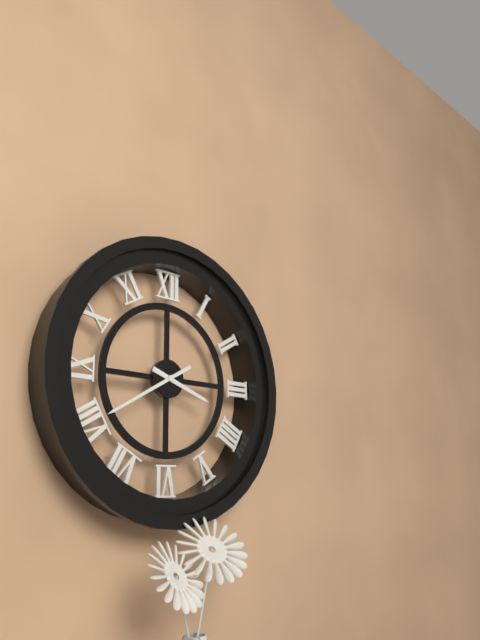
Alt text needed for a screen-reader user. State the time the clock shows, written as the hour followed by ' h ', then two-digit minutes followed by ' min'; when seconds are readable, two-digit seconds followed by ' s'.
3 h 40 min
